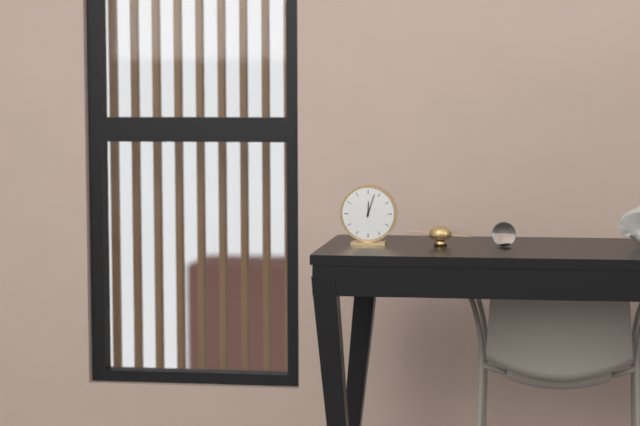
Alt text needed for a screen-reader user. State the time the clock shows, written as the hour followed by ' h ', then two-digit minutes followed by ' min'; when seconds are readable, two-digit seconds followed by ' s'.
12 h 03 min
